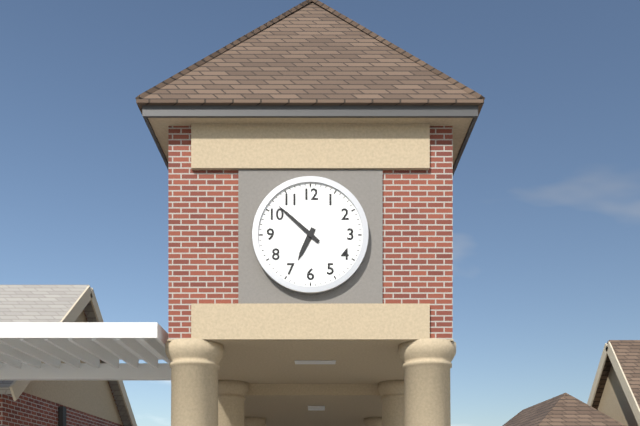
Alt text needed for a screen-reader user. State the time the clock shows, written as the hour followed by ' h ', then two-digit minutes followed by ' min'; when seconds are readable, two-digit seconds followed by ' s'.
6 h 52 min
